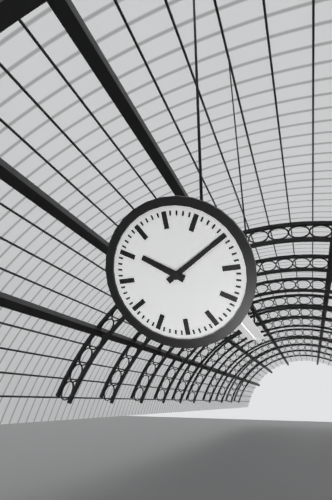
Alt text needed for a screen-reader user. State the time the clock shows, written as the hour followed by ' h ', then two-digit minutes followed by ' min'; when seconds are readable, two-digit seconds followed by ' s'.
10 h 10 min
